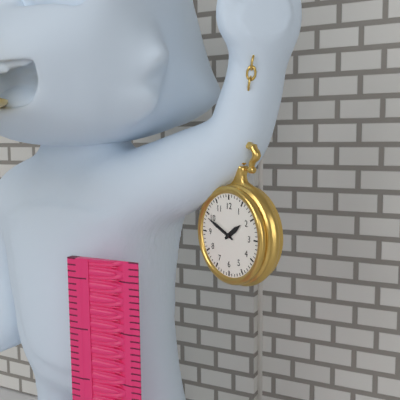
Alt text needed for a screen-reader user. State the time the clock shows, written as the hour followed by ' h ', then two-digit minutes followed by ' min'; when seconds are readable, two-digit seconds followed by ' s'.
1 h 49 min
